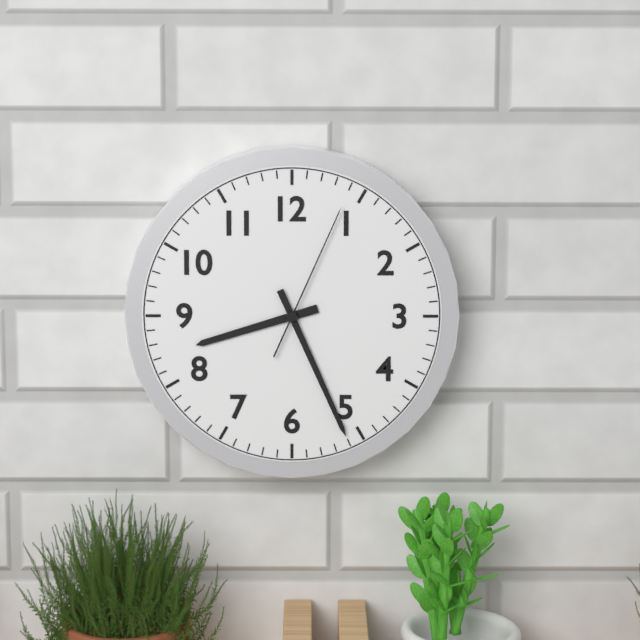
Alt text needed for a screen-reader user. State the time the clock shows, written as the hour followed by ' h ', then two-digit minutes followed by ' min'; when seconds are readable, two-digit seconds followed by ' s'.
8 h 26 min 04 s
